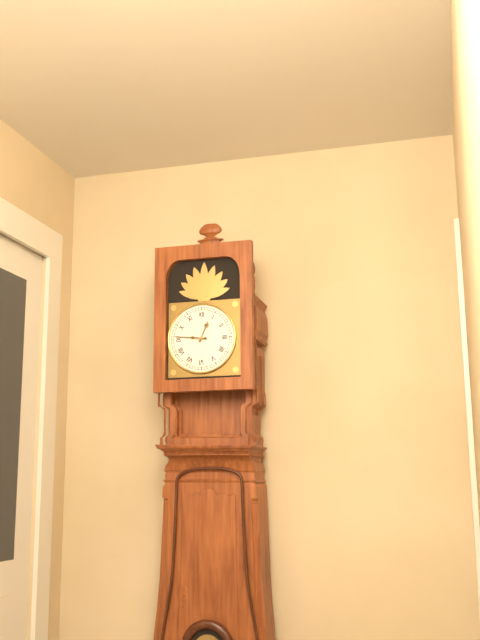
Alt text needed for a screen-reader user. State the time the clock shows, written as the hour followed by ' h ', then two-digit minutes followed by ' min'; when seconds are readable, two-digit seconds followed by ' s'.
12 h 46 min
